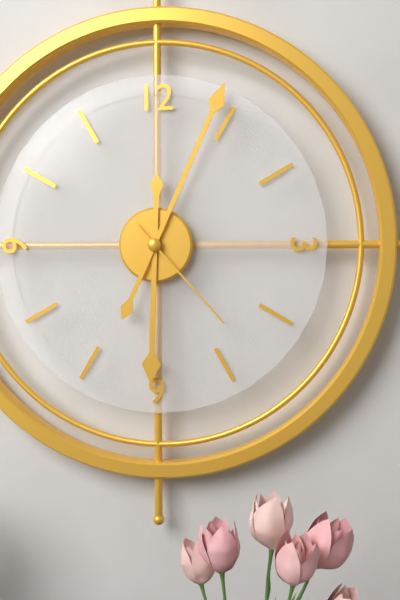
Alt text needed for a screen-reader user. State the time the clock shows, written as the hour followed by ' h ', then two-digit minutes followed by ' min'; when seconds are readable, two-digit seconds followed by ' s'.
6 h 04 min 23 s
